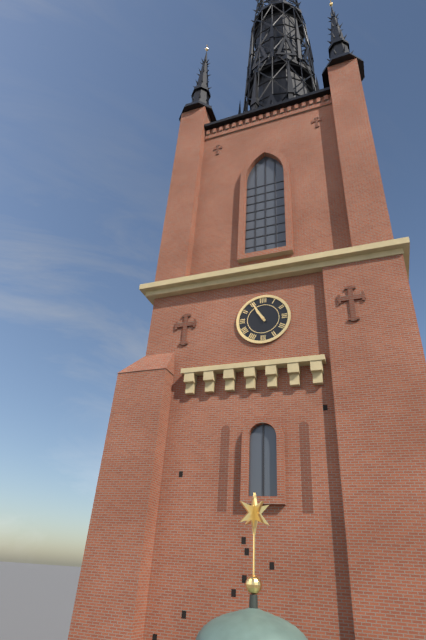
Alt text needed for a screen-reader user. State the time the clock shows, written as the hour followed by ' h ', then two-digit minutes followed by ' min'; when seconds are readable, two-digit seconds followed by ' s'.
10 h 55 min
